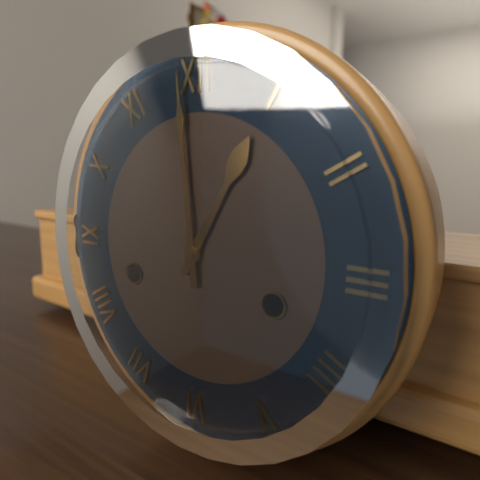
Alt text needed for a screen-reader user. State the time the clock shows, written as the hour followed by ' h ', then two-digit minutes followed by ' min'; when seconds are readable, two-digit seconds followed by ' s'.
12 h 59 min
